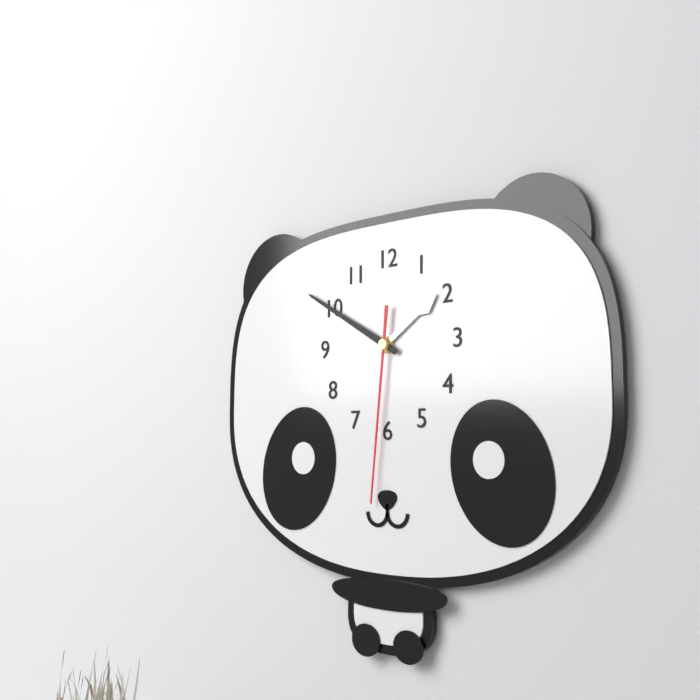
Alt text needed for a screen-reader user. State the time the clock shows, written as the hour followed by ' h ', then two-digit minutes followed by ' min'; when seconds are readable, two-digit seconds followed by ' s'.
1 h 50 min 31 s
